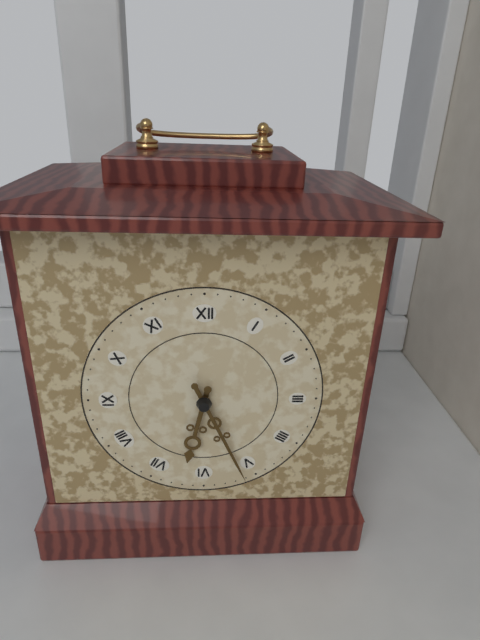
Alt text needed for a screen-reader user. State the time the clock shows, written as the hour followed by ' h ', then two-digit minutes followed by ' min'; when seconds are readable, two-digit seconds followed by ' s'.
6 h 26 min
